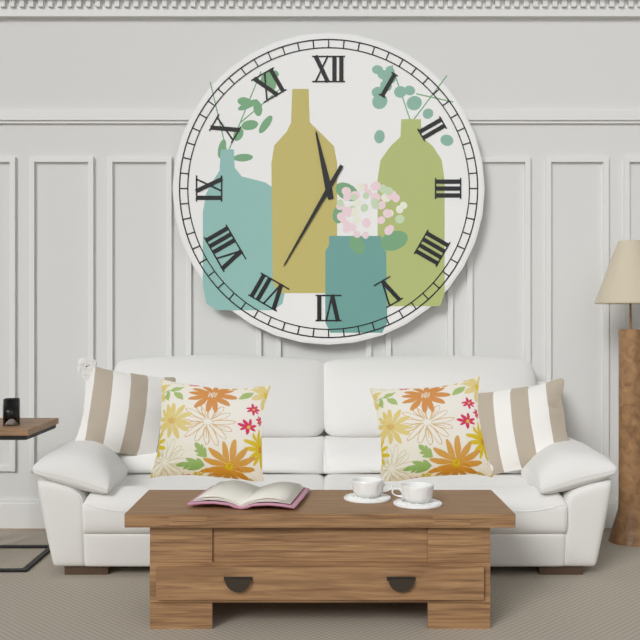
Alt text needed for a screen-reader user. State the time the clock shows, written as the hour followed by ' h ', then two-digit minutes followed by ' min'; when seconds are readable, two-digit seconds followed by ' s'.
11 h 35 min
